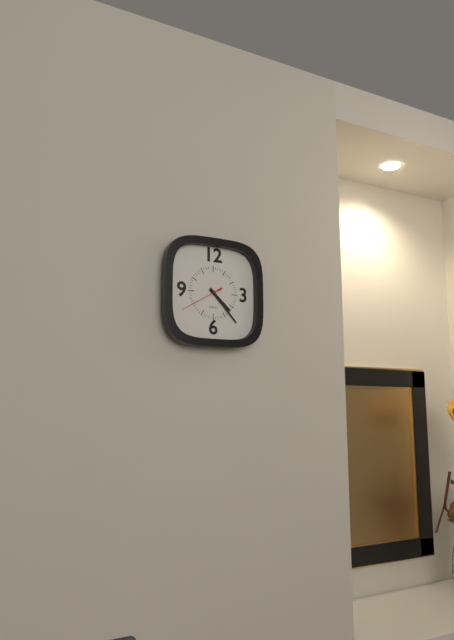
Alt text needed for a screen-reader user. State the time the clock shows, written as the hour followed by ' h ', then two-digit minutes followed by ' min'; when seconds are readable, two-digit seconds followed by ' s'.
4 h 23 min
